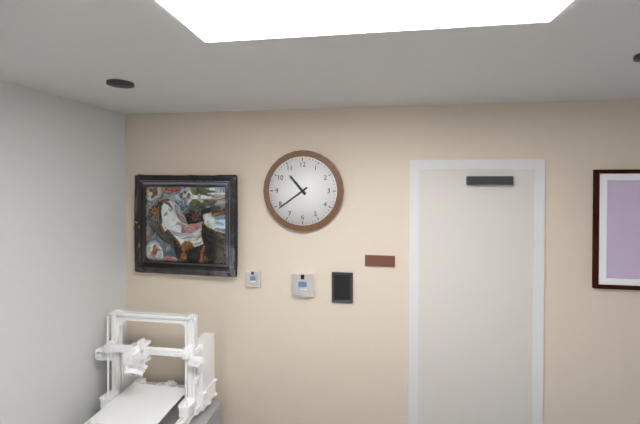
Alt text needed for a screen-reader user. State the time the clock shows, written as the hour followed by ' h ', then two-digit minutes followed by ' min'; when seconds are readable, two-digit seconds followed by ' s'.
10 h 39 min
